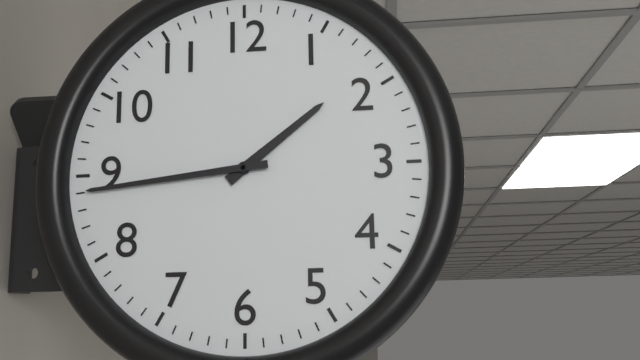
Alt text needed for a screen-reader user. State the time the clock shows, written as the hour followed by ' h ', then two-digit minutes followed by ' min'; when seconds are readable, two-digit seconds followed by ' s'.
1 h 44 min
